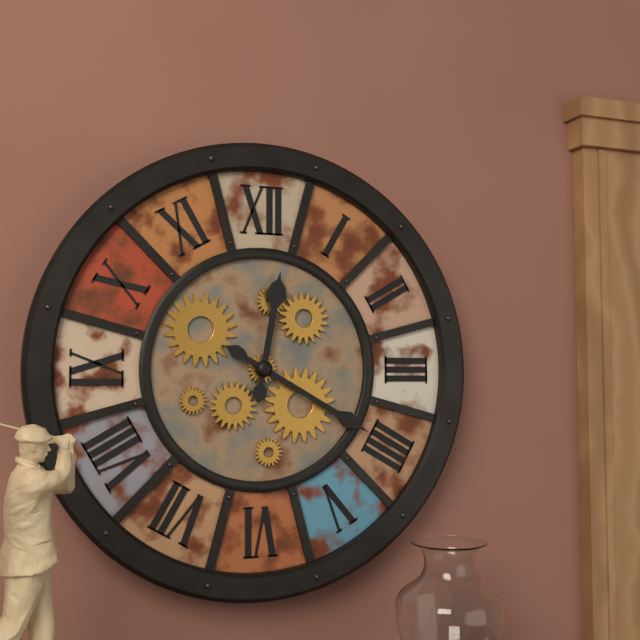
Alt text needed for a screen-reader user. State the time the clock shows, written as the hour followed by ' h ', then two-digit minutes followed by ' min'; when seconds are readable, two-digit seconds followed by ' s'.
12 h 20 min
